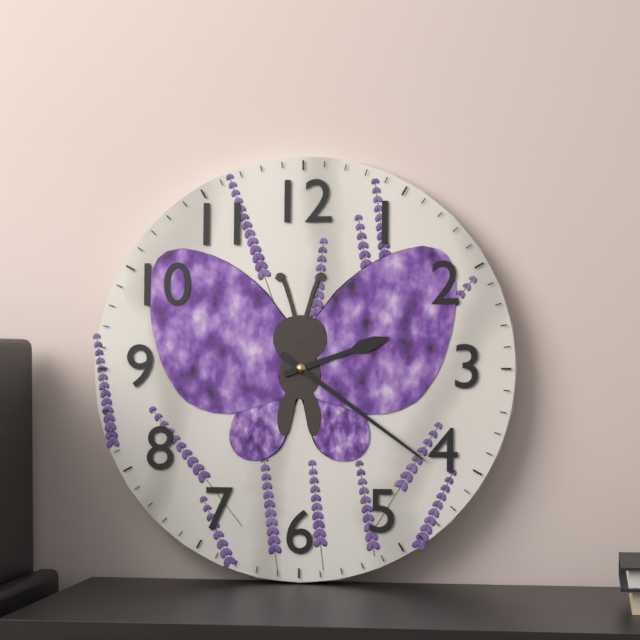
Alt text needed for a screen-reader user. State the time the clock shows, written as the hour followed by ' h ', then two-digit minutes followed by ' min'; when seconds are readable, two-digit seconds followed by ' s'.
2 h 21 min
